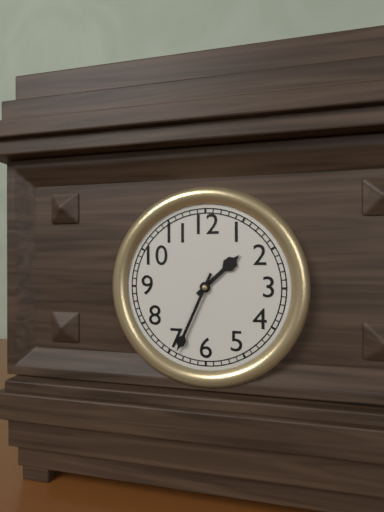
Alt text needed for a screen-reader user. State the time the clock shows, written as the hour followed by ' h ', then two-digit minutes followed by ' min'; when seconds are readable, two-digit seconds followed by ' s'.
1 h 34 min
